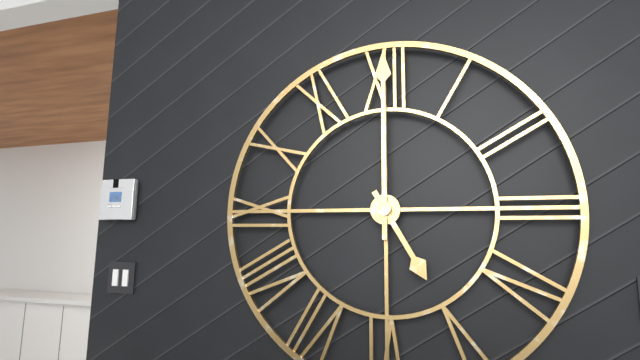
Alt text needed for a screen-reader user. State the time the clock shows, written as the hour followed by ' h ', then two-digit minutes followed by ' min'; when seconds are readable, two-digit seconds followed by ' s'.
5 h 00 min
